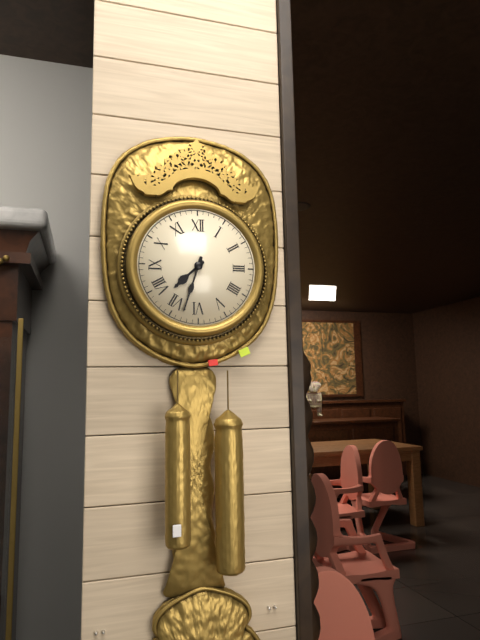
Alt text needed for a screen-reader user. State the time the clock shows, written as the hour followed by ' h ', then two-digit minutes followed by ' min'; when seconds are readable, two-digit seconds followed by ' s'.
7 h 33 min
